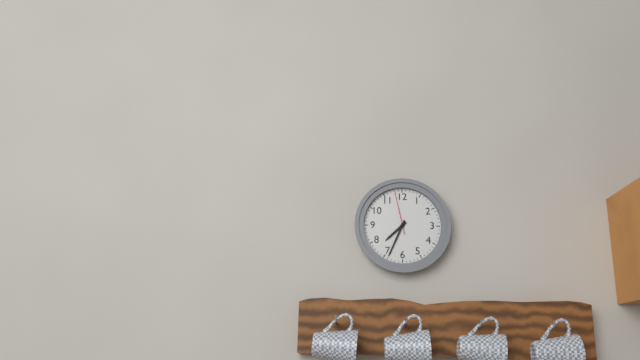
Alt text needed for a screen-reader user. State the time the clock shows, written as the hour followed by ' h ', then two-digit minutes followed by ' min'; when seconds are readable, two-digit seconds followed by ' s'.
7 h 34 min
